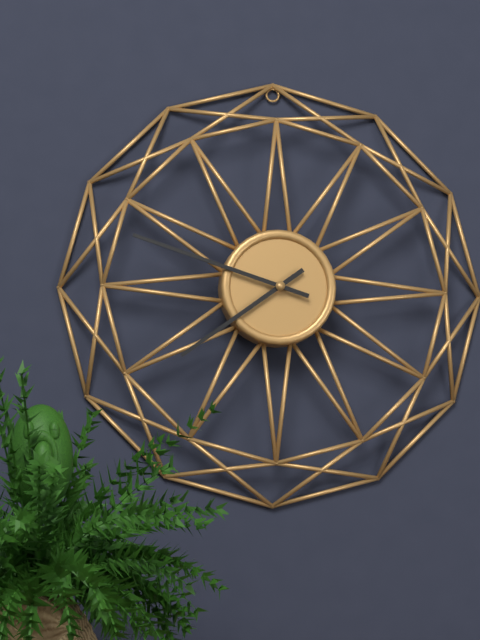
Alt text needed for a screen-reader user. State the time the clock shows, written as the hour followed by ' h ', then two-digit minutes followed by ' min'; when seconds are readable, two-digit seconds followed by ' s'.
7 h 48 min
